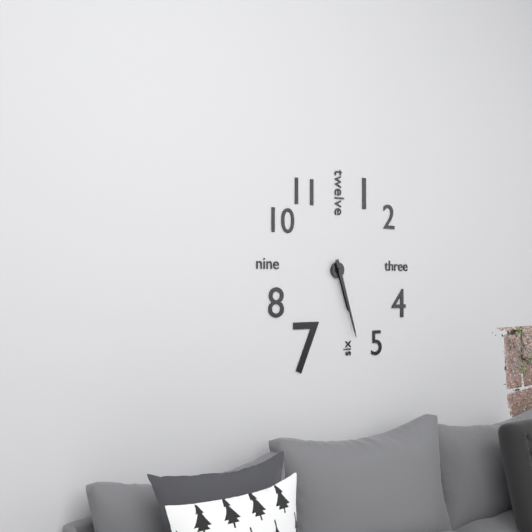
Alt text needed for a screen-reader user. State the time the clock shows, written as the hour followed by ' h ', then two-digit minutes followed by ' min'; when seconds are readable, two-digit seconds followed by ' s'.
5 h 27 min
